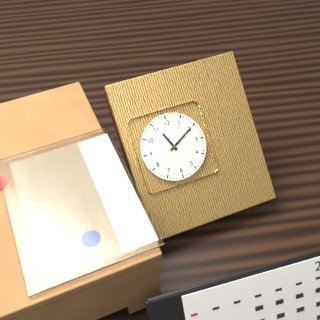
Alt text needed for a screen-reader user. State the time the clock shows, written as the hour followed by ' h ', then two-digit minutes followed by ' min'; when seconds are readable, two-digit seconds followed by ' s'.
11 h 10 min
